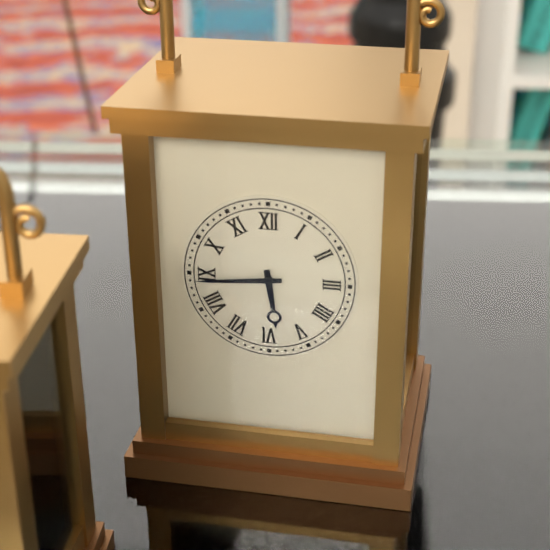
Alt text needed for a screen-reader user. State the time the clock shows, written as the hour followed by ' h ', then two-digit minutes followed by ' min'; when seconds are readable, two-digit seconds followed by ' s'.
5 h 44 min
